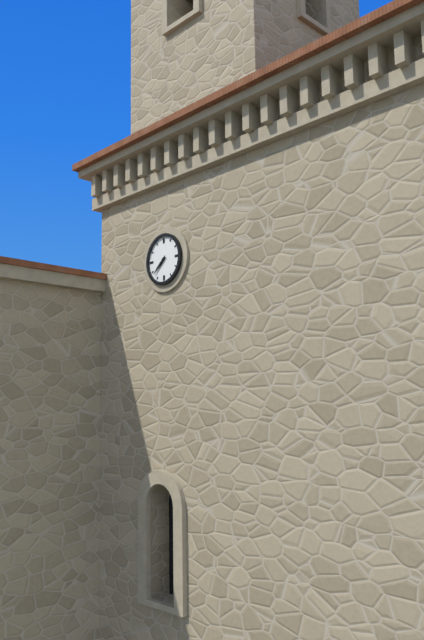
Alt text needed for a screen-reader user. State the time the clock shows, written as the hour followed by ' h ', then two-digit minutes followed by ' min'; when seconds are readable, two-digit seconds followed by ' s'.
7 h 38 min
